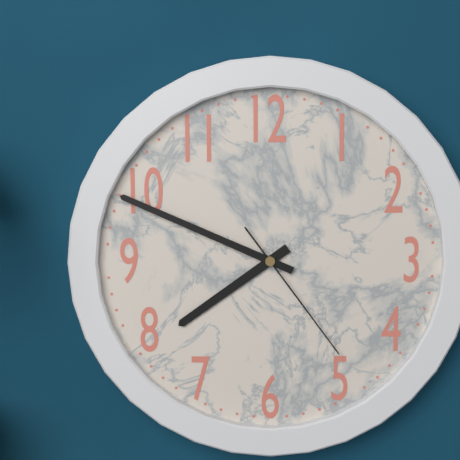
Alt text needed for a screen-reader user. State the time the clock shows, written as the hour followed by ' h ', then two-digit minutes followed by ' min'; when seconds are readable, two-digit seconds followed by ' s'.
7 h 49 min 24 s
